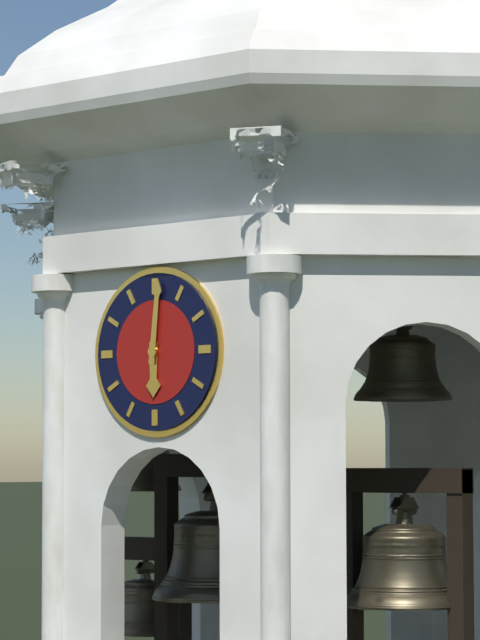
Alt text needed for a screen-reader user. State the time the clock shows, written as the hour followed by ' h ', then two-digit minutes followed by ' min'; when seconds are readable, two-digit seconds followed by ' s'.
6 h 01 min
